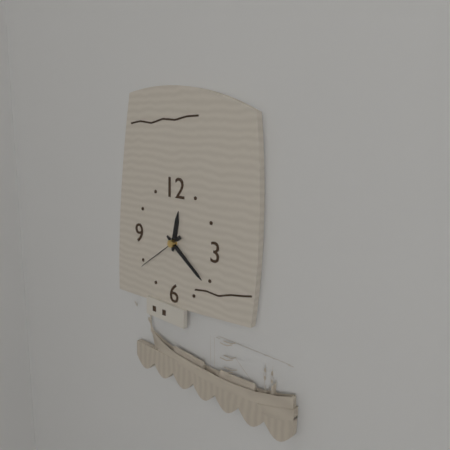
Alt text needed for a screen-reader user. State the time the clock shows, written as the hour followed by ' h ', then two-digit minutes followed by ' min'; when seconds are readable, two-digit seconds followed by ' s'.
12 h 21 min
